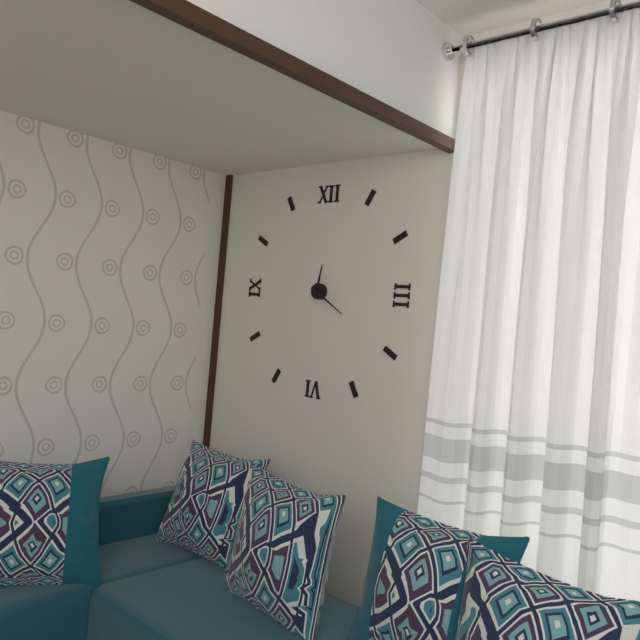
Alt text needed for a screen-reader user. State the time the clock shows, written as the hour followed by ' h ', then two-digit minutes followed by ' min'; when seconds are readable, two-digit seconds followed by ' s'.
12 h 20 min
